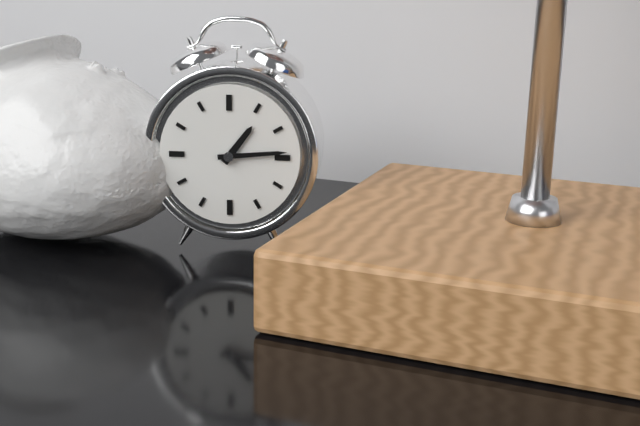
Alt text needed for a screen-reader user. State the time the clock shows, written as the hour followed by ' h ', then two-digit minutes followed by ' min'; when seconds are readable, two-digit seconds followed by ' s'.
1 h 14 min
